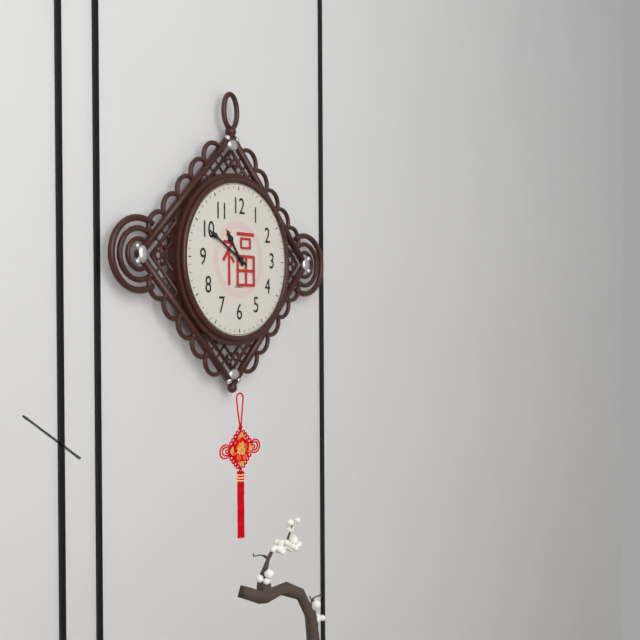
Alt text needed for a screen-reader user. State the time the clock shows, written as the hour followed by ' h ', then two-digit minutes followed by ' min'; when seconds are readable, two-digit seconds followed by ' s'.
10 h 50 min
